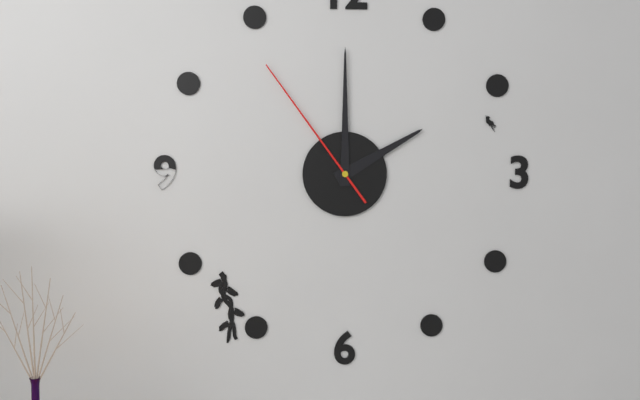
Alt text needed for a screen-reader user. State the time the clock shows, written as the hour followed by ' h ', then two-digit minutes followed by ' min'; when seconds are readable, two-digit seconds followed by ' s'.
2 h 00 min 54 s
